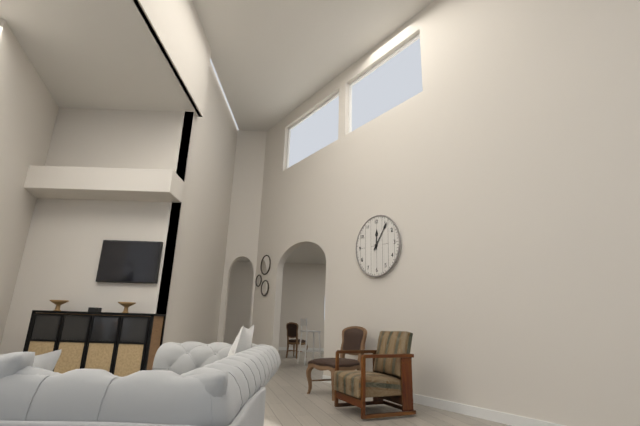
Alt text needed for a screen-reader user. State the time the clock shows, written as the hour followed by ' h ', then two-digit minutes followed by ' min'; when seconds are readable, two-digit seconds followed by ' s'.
12 h 06 min
